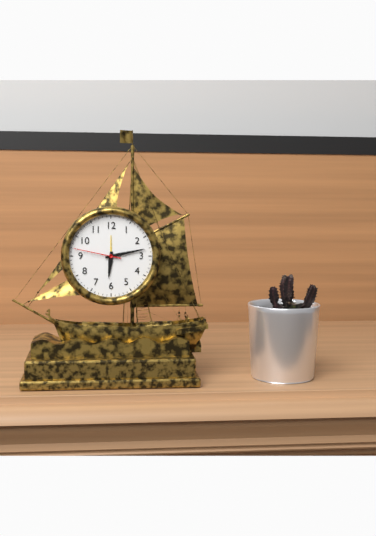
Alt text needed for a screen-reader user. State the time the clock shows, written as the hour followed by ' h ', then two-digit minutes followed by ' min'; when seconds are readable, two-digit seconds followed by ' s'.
6 h 13 min
